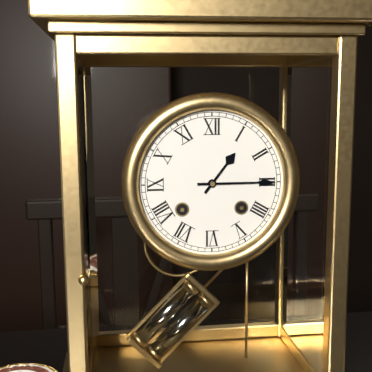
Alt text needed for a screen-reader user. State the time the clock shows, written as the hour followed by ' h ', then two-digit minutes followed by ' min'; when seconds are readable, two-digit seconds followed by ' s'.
1 h 15 min
